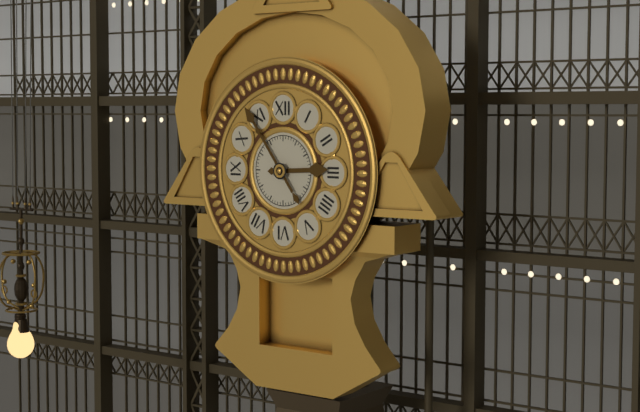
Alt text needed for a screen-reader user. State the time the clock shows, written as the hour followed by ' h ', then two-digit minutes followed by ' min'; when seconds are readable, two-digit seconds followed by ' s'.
2 h 54 min
